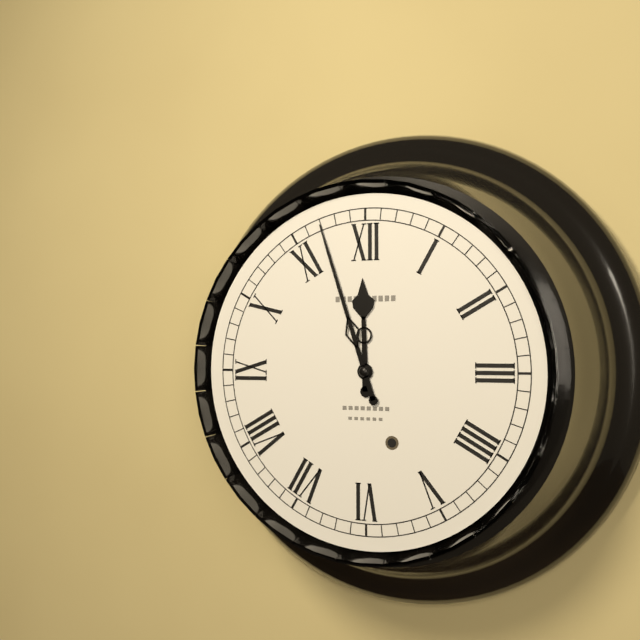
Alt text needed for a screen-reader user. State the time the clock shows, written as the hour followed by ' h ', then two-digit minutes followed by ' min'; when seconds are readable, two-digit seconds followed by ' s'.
11 h 57 min
